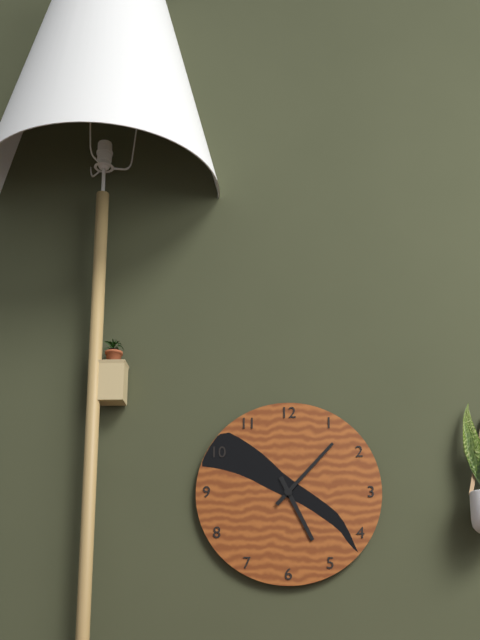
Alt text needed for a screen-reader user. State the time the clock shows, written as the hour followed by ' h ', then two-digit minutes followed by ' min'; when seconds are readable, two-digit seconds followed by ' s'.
5 h 07 min
